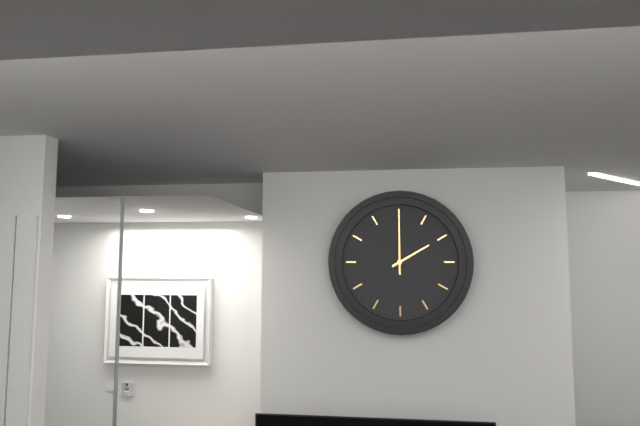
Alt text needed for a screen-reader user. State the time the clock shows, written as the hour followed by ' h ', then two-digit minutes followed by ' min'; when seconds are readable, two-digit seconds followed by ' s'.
2 h 00 min
